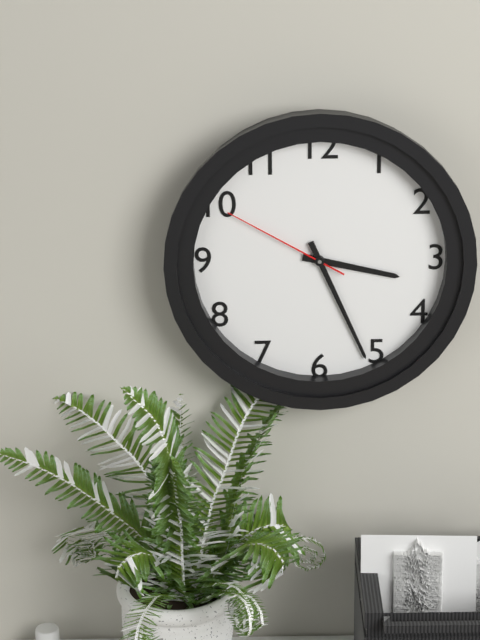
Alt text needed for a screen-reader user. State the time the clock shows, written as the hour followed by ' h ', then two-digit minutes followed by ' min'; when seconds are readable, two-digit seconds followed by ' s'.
3 h 26 min 50 s
